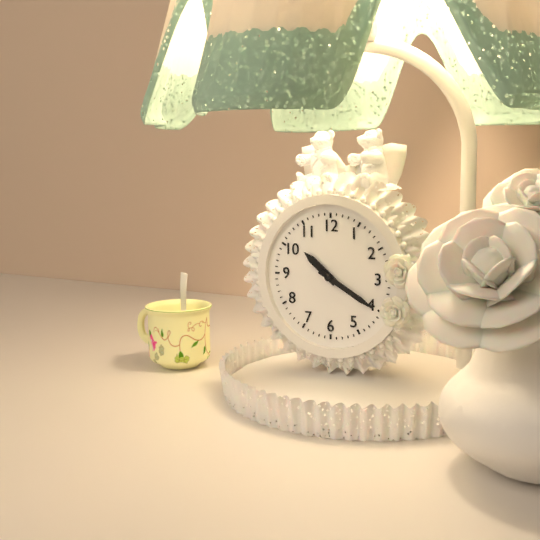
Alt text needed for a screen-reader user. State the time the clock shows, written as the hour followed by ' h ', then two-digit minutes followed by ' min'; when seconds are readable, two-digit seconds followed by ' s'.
10 h 20 min
